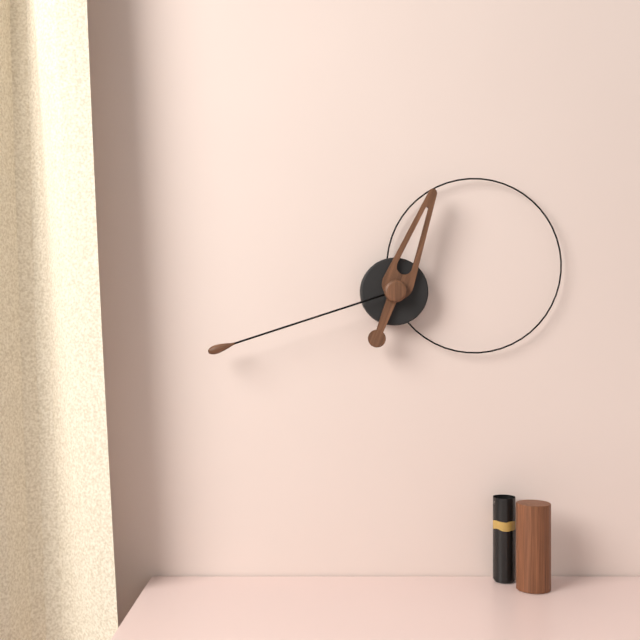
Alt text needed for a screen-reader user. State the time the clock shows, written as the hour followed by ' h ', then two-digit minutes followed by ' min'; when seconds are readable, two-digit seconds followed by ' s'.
12 h 42 min
